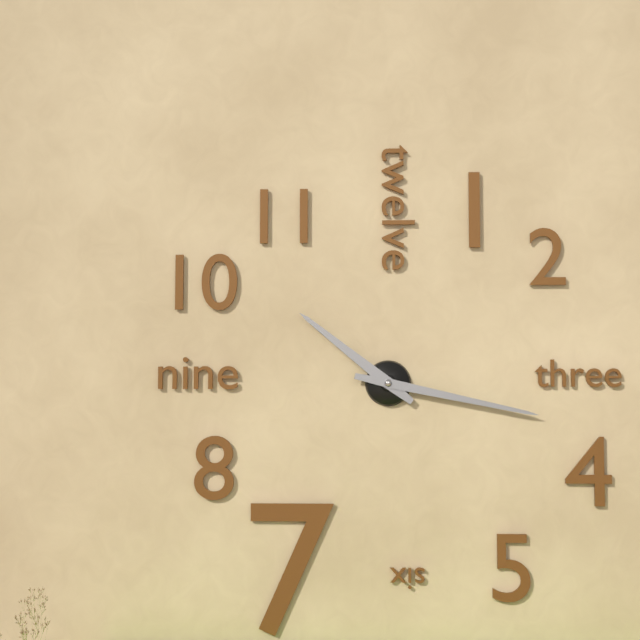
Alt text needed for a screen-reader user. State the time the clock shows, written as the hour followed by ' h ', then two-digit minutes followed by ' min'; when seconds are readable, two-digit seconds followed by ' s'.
10 h 17 min
